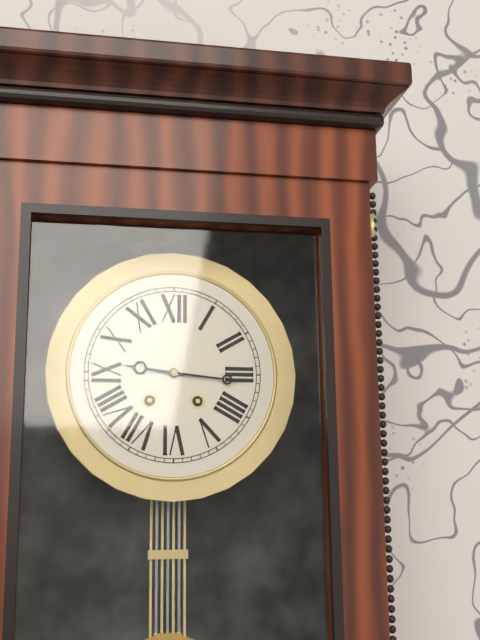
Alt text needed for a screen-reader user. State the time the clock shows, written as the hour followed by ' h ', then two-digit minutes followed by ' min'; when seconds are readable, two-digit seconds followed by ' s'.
9 h 16 min
